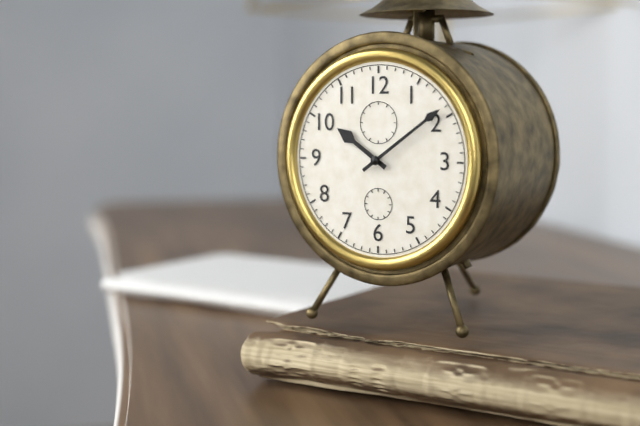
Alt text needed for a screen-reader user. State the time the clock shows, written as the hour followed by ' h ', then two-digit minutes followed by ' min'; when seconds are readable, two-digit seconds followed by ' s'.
10 h 09 min
